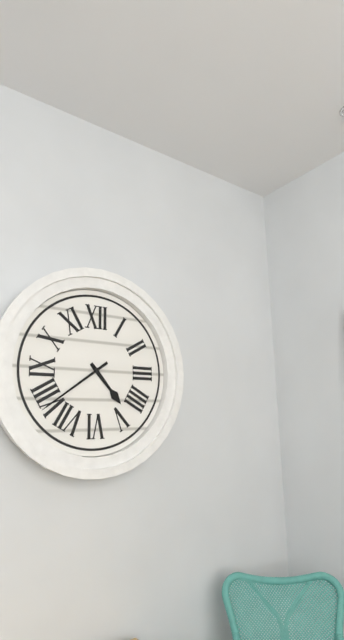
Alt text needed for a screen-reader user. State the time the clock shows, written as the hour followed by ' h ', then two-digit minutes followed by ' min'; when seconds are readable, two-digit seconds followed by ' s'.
4 h 39 min
